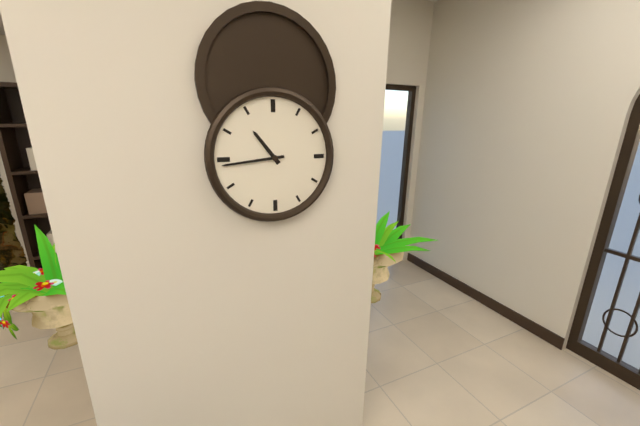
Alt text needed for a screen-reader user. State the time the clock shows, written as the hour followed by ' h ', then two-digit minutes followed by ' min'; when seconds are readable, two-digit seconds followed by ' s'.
10 h 44 min
